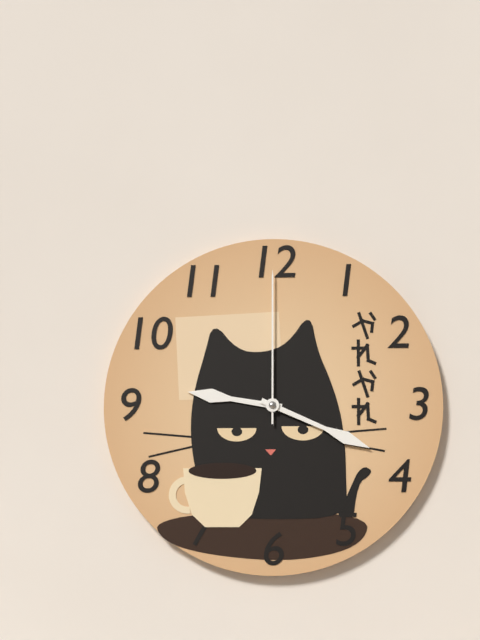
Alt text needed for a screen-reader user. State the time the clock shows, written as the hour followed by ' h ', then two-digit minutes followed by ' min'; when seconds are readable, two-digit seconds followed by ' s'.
9 h 19 min 00 s
